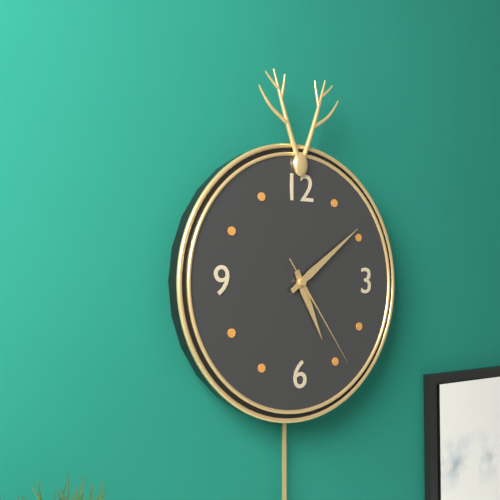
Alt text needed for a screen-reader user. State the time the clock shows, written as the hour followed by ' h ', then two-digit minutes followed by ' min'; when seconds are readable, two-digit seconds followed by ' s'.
5 h 09 min 24 s
